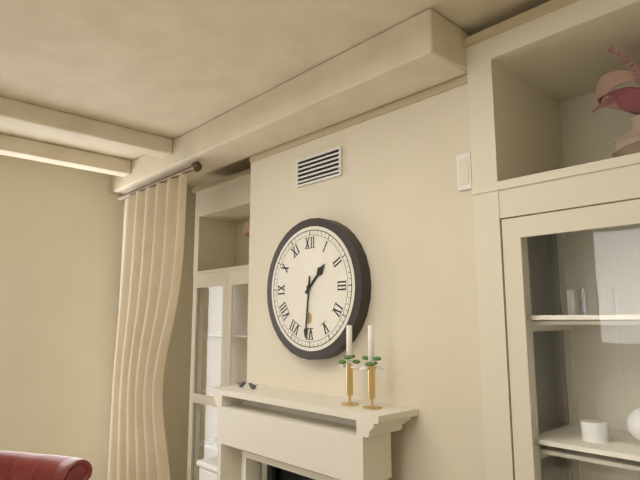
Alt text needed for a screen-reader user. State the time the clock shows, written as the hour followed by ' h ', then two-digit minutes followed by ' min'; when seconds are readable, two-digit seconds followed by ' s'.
1 h 31 min
